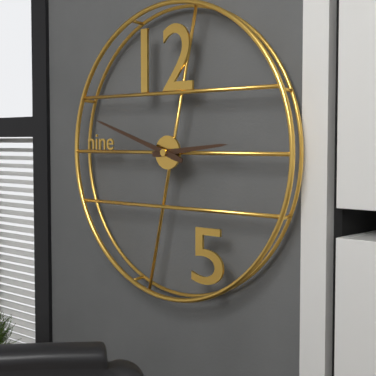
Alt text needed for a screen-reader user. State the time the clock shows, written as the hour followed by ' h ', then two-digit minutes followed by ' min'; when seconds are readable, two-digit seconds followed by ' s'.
2 h 48 min
